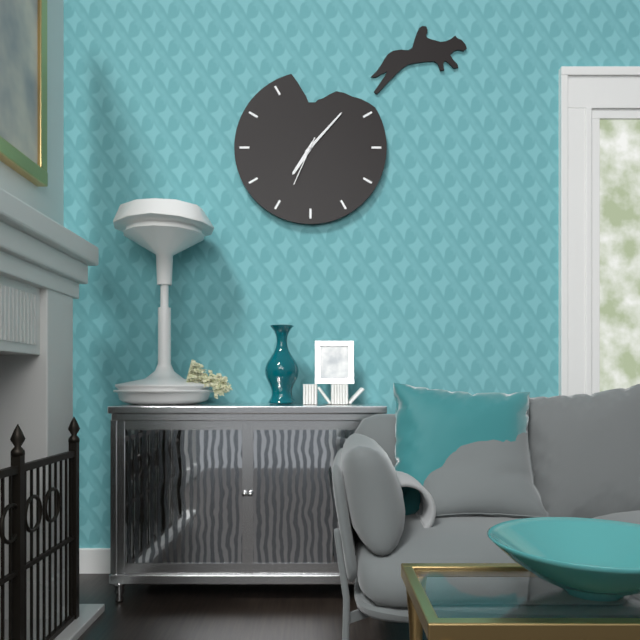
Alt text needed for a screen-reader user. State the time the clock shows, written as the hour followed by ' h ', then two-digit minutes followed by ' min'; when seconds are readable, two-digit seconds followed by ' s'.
7 h 07 min 34 s
